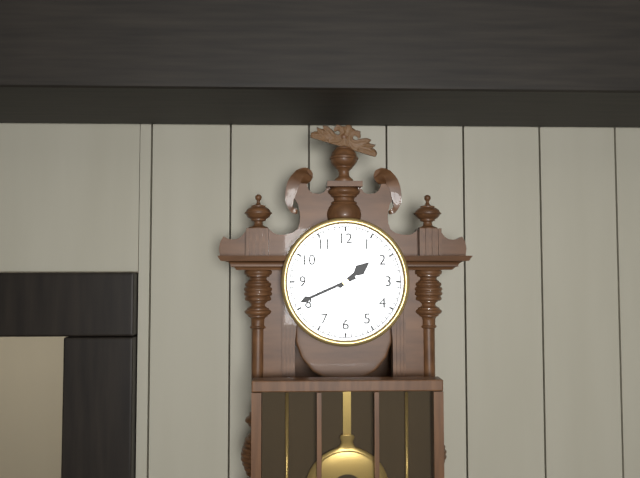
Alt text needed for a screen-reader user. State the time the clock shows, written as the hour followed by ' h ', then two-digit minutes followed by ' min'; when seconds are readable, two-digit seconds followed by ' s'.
1 h 41 min
